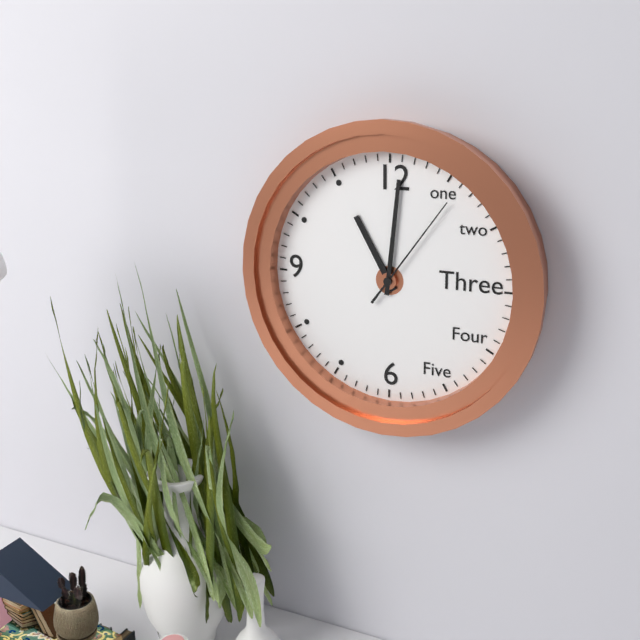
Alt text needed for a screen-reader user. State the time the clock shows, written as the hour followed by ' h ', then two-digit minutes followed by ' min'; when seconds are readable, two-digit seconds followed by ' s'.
11 h 01 min 06 s
